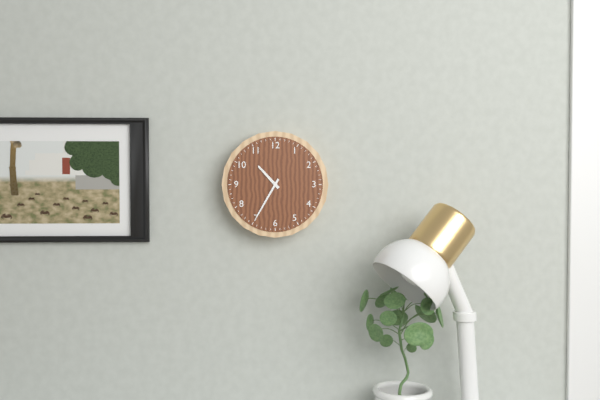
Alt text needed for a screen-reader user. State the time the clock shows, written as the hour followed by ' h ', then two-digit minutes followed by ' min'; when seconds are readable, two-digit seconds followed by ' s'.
10 h 35 min
